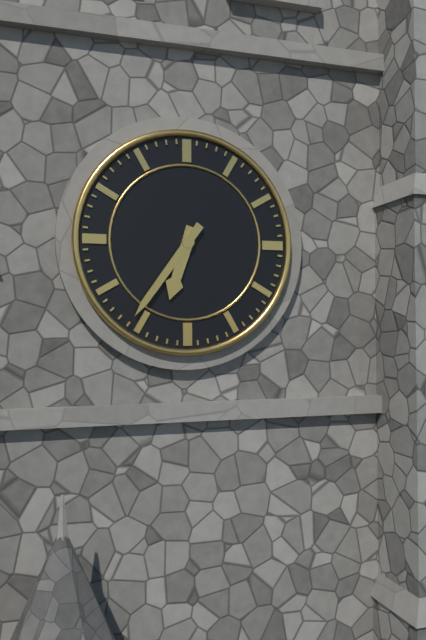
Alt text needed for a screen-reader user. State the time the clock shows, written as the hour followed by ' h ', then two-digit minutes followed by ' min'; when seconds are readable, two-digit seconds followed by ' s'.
6 h 36 min
